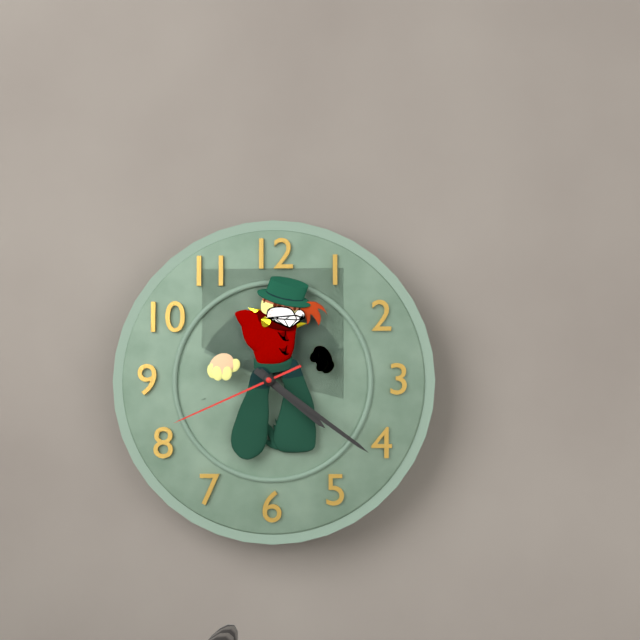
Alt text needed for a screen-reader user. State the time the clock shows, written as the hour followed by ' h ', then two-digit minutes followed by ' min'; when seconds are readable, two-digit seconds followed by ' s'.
4 h 21 min 41 s
